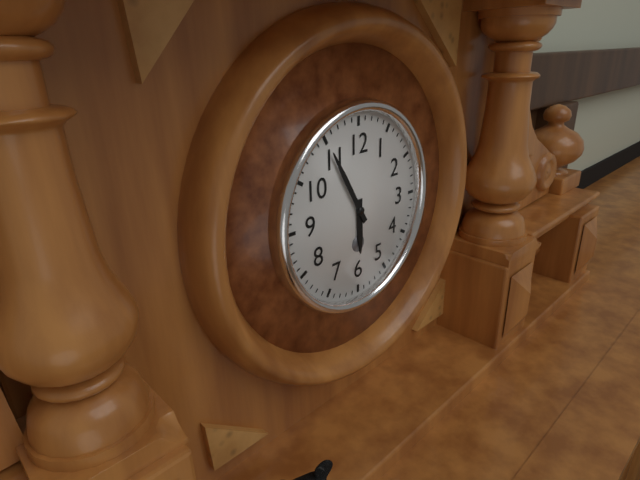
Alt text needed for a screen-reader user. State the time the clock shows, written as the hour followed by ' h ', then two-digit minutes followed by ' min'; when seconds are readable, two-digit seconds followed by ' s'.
5 h 55 min
